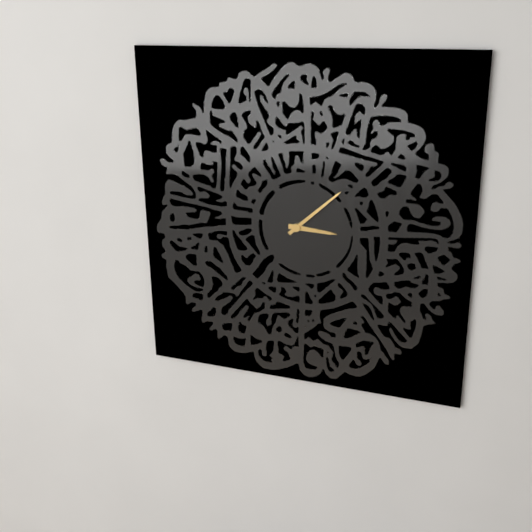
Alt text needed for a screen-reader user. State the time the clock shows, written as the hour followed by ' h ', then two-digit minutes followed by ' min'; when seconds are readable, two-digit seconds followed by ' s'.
3 h 08 min
